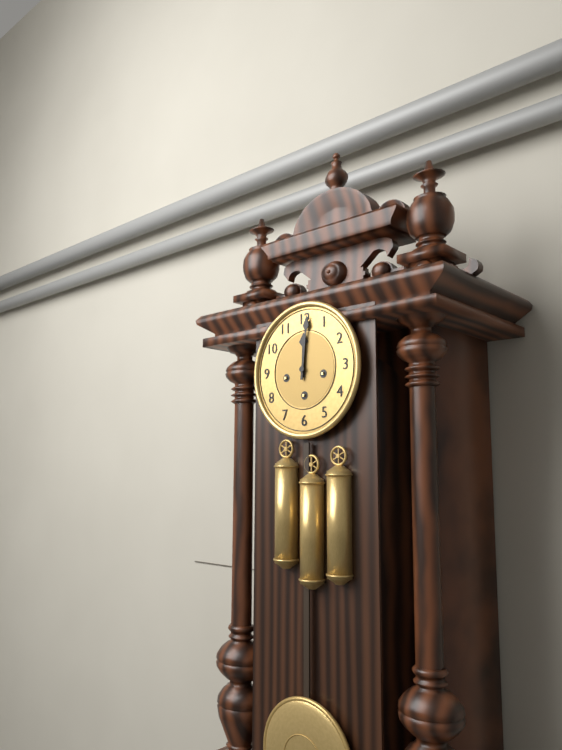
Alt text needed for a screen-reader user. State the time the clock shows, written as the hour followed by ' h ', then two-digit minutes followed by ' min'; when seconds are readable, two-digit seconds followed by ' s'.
12 h 01 min
